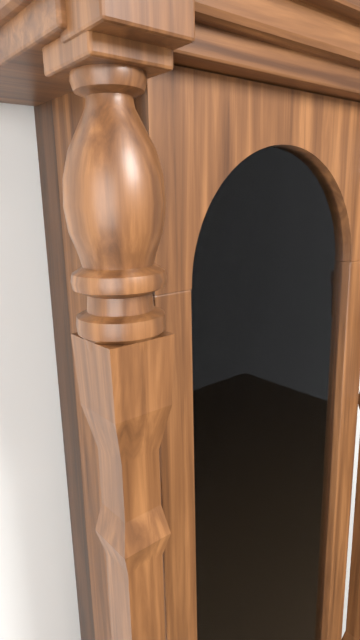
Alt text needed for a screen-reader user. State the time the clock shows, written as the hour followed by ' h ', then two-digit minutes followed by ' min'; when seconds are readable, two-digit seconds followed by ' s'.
10 h 29 min
